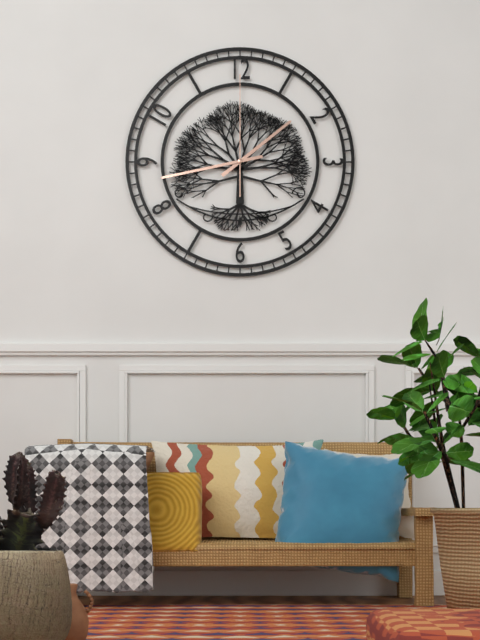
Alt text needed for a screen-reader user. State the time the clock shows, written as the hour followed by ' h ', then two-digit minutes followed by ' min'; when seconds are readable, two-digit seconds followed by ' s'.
1 h 43 min 00 s
